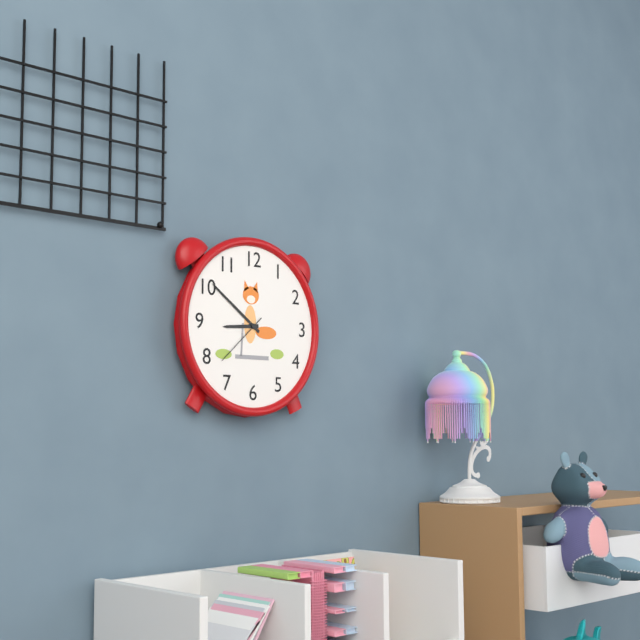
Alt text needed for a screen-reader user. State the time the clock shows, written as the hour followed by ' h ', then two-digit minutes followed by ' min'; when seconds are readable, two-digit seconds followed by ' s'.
8 h 51 min 38 s
